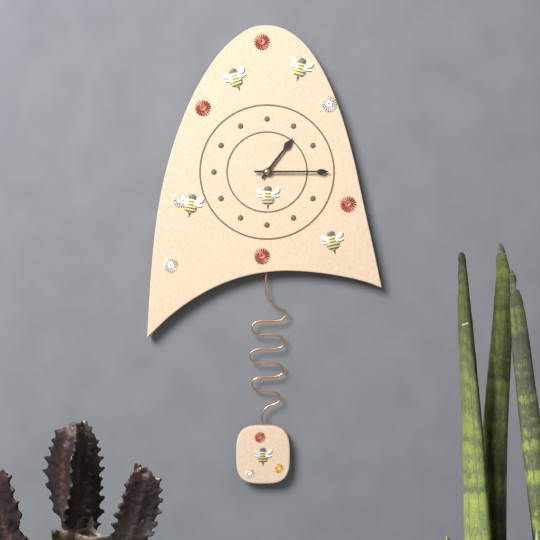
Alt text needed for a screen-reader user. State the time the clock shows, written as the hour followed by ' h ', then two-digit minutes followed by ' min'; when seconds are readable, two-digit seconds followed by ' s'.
1 h 15 min
